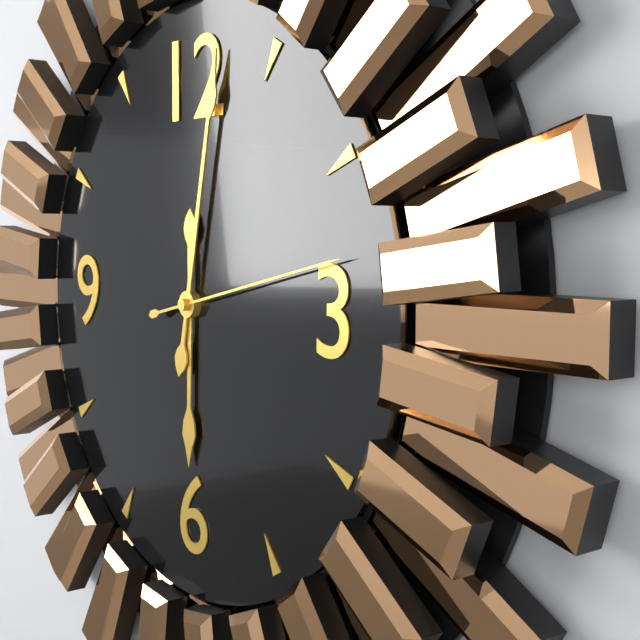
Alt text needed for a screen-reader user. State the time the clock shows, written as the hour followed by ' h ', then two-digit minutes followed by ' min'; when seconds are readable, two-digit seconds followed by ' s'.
6 h 02 min 13 s
